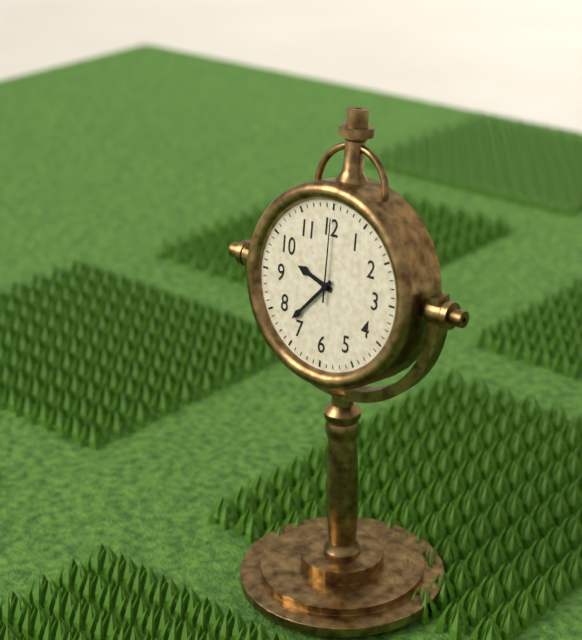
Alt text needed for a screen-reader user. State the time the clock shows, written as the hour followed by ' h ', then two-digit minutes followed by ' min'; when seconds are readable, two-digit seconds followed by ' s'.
9 h 37 min 00 s
